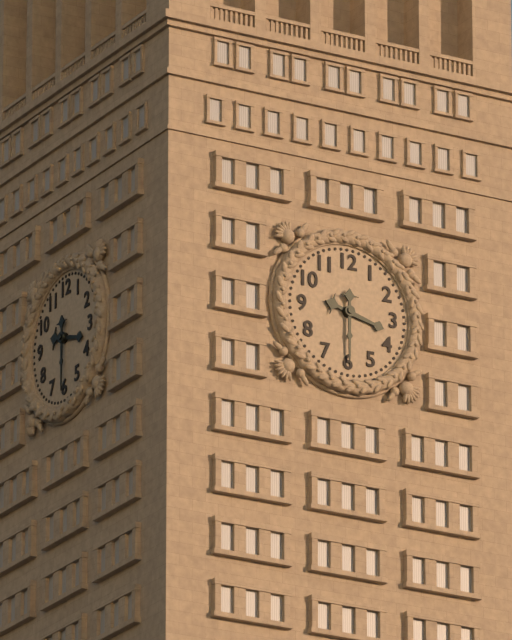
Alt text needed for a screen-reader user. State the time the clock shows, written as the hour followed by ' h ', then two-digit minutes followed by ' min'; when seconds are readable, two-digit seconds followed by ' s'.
3 h 30 min
